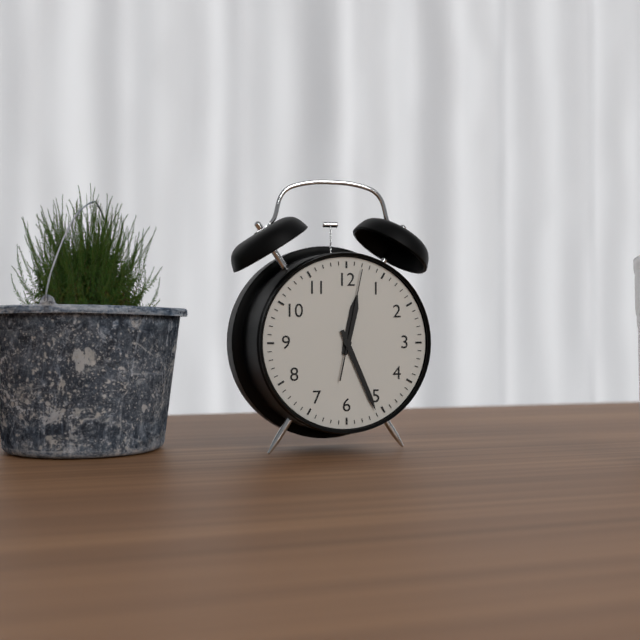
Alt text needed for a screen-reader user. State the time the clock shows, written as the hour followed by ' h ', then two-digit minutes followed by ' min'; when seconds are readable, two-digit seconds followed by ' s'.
12 h 26 min 02 s
